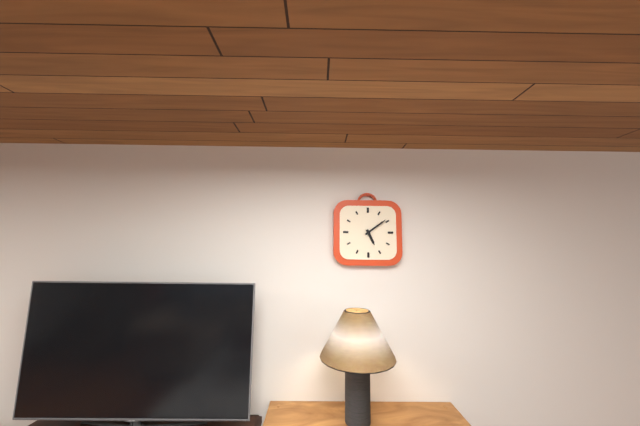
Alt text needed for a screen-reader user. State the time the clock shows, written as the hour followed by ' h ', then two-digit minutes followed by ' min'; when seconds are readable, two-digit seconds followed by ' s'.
5 h 09 min
